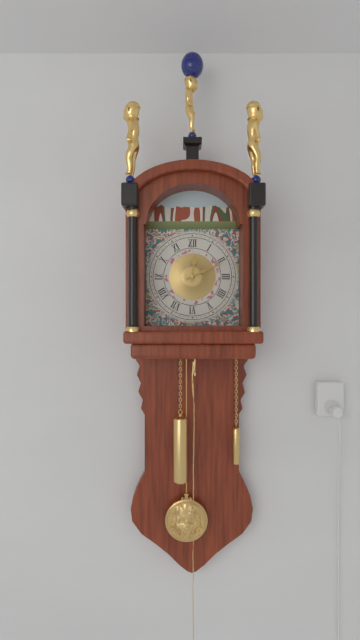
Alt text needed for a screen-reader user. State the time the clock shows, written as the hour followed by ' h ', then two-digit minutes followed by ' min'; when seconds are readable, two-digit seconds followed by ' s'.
12 h 11 min
